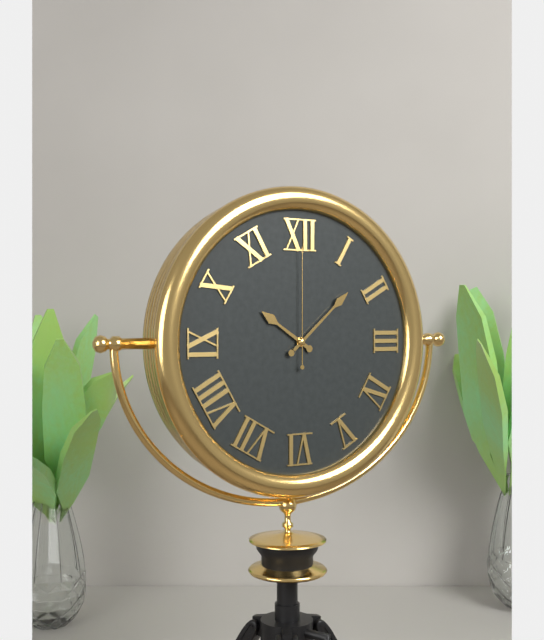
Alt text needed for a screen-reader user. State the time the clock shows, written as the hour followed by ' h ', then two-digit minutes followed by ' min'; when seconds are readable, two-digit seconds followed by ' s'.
10 h 08 min 00 s
